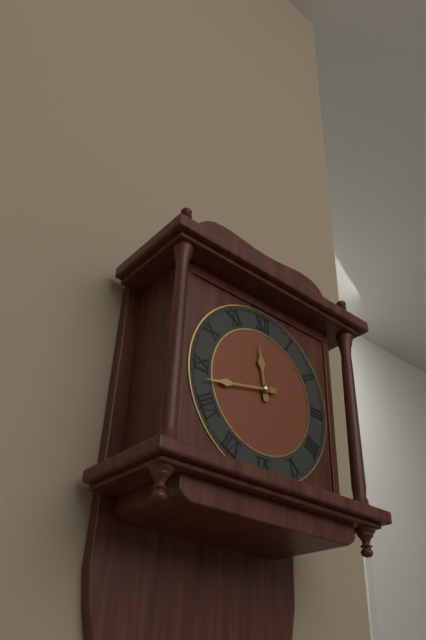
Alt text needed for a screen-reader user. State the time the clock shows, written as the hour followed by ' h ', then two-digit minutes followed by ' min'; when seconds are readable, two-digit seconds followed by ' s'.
11 h 43 min
